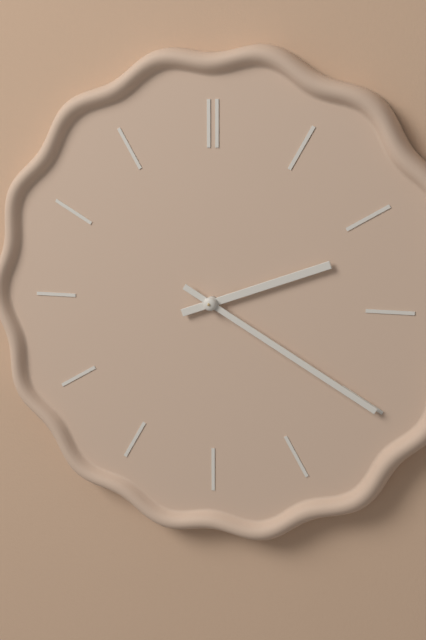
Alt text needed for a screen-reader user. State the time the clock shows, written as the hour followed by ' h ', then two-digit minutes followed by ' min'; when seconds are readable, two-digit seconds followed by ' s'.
2 h 20 min
